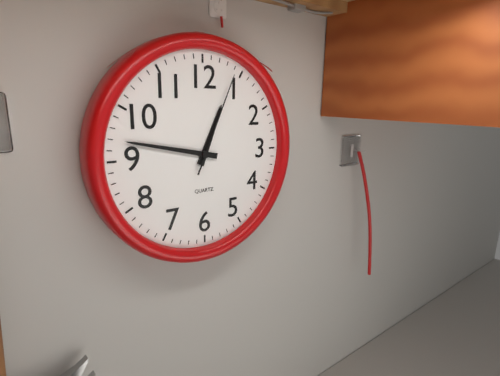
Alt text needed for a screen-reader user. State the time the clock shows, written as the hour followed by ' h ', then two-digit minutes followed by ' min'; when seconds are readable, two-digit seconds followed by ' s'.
12 h 47 min 04 s
